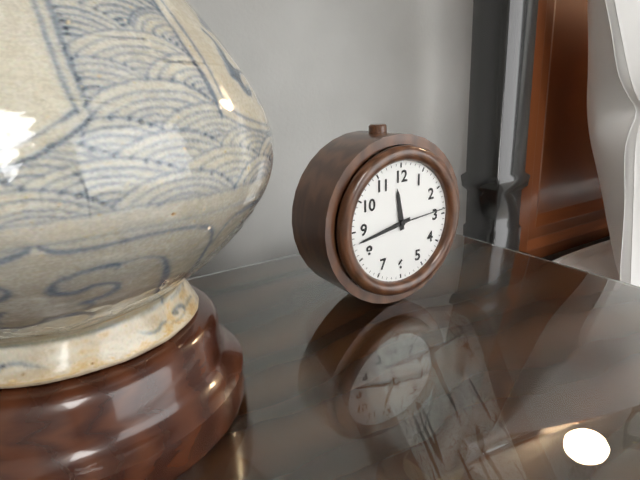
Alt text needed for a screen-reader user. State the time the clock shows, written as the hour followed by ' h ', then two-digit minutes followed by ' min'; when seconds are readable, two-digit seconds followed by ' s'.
11 h 43 min 14 s
